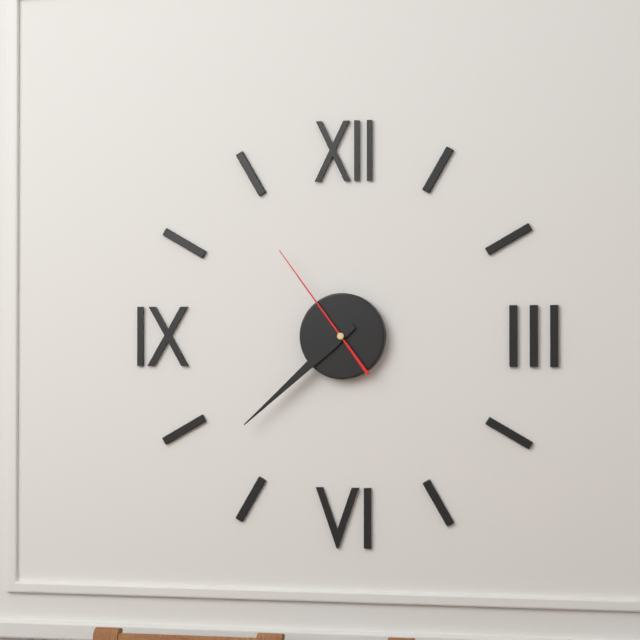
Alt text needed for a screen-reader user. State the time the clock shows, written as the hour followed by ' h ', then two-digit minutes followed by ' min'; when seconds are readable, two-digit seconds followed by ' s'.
7 h 38 min 54 s
